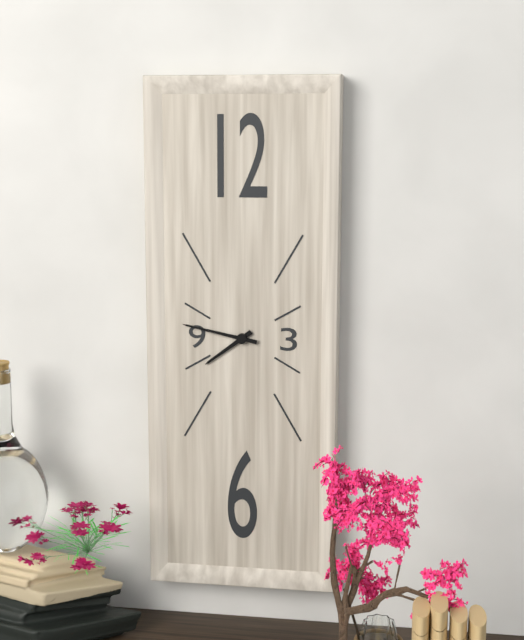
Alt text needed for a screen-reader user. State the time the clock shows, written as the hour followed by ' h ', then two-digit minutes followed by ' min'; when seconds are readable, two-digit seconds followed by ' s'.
7 h 47 min
